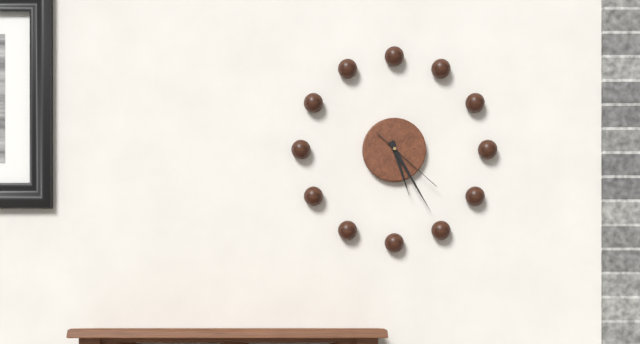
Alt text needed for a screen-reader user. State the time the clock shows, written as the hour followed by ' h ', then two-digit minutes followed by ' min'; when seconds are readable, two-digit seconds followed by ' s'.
5 h 25 min 22 s
